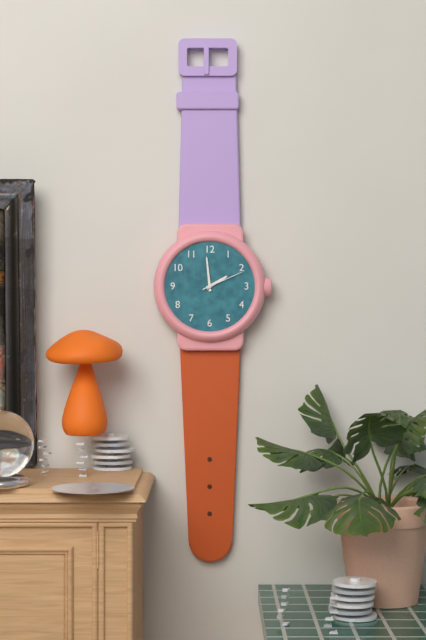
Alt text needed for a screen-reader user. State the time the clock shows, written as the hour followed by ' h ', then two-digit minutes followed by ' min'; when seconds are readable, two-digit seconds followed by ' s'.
1 h 59 min
